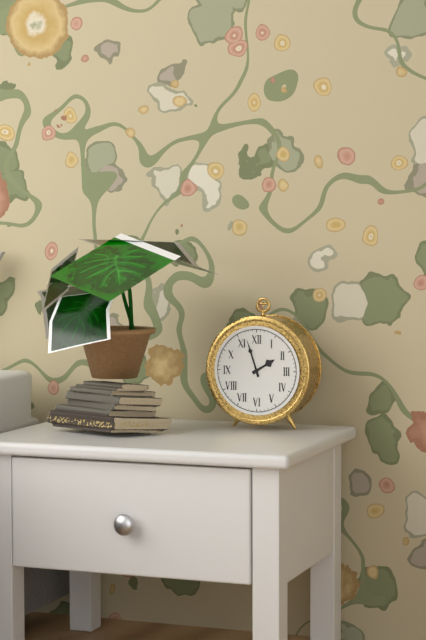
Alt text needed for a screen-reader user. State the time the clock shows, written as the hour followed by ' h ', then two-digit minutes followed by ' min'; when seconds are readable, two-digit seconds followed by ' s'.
1 h 57 min
